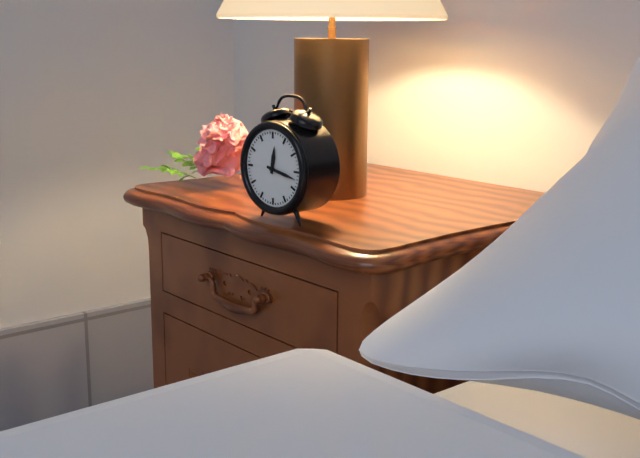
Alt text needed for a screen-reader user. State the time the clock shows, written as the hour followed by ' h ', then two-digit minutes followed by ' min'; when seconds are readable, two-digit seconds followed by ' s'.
12 h 17 min
